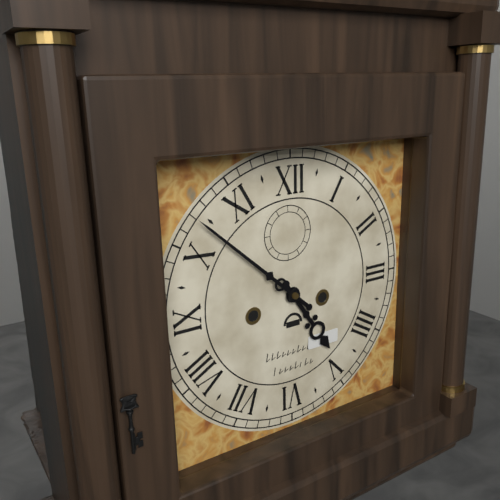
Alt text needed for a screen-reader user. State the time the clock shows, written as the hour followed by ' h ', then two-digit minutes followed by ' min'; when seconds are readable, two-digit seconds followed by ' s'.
4 h 52 min
